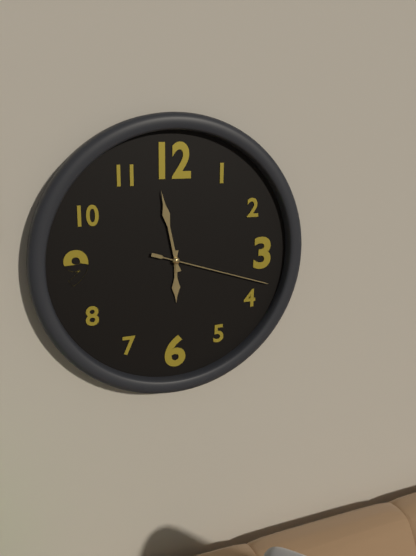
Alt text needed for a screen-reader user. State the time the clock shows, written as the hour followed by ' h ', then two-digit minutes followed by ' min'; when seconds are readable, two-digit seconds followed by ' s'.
5 h 58 min 18 s
